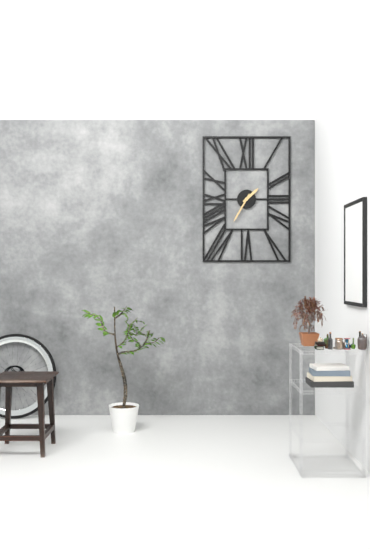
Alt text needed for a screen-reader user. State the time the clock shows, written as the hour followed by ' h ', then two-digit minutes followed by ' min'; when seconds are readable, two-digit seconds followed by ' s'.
1 h 35 min
